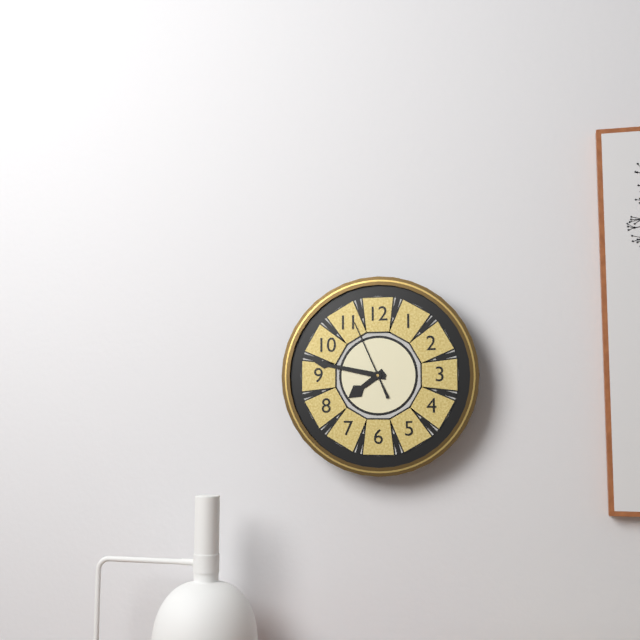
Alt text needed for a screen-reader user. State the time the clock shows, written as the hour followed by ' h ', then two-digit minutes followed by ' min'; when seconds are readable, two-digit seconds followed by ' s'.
7 h 47 min 56 s
